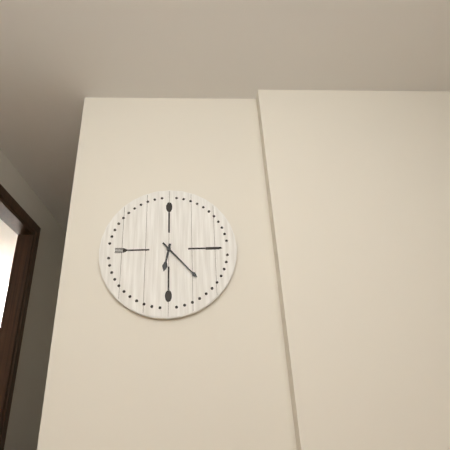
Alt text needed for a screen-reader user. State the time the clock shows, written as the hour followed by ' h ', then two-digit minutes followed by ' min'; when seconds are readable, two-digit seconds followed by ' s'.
6 h 23 min
